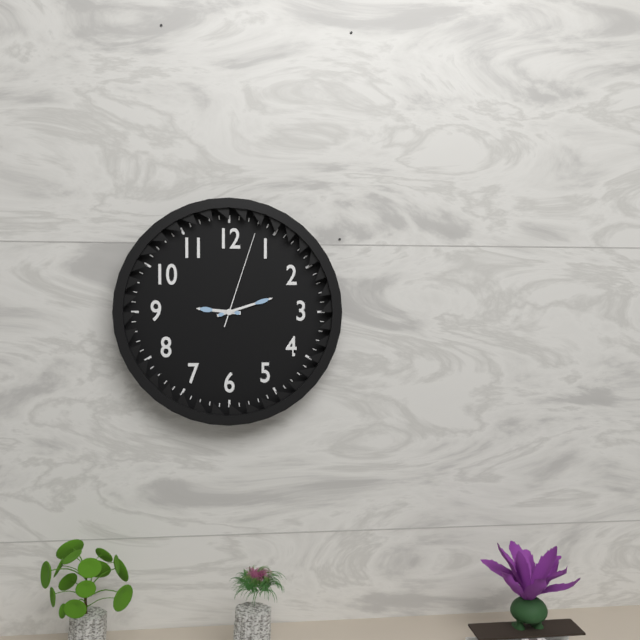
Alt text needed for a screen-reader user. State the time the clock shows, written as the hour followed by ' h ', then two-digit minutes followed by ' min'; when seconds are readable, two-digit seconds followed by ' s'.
9 h 12 min 03 s
